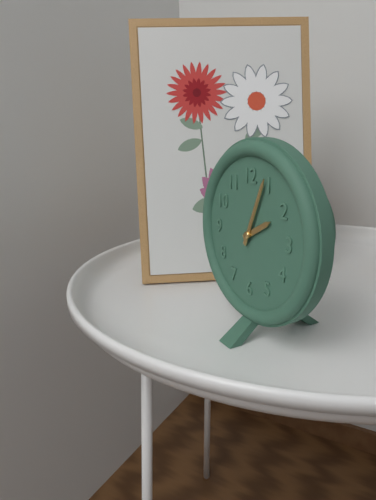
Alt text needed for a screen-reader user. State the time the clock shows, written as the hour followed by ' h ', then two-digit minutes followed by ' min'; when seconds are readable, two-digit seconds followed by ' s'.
2 h 04 min
